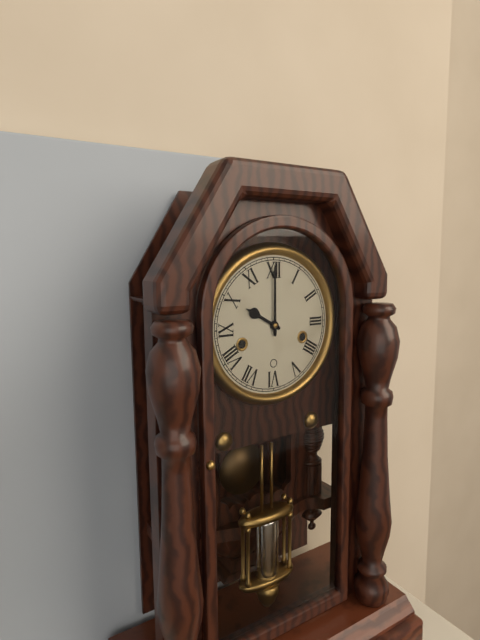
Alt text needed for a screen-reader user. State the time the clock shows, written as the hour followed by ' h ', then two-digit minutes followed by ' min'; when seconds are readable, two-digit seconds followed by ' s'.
10 h 00 min
